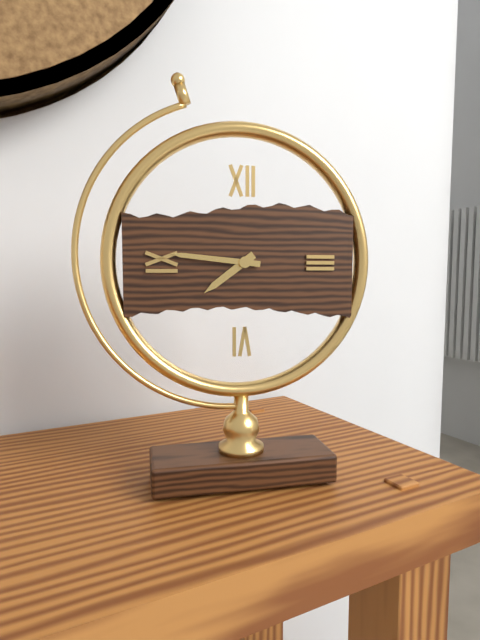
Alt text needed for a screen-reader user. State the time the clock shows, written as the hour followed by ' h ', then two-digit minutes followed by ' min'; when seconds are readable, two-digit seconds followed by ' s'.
7 h 46 min
